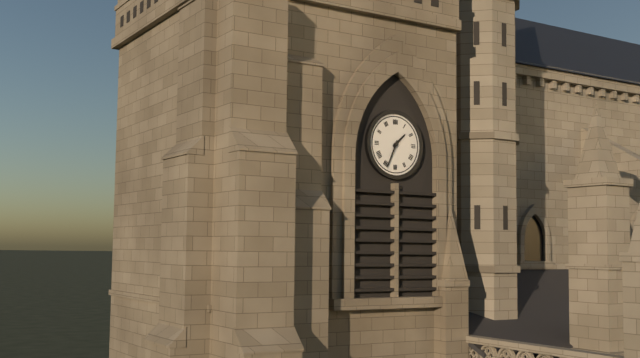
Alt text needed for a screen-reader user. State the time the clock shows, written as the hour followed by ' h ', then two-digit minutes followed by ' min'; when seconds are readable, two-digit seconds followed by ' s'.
1 h 34 min
